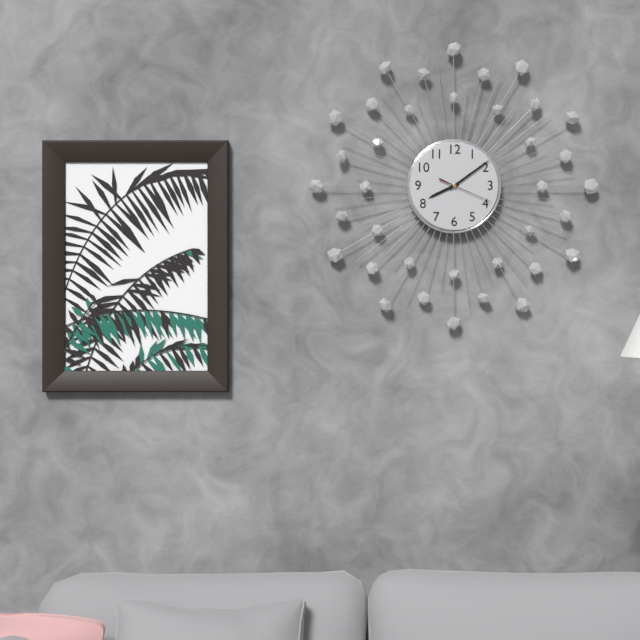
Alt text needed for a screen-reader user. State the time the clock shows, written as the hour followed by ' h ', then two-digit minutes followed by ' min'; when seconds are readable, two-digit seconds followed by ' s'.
8 h 09 min 19 s
